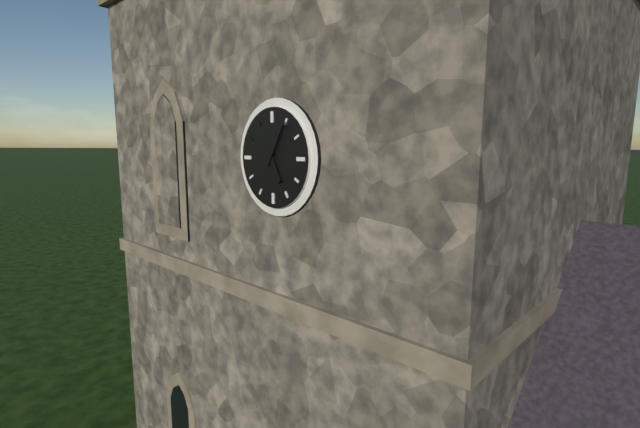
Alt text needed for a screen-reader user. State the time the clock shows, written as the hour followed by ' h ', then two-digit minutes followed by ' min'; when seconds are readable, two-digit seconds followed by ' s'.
5 h 05 min
